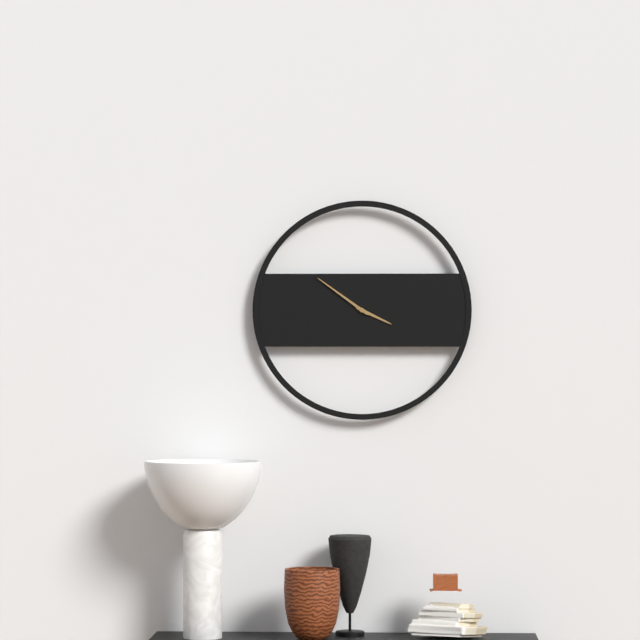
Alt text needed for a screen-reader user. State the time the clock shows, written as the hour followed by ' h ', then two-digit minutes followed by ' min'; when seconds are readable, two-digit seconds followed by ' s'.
3 h 51 min
